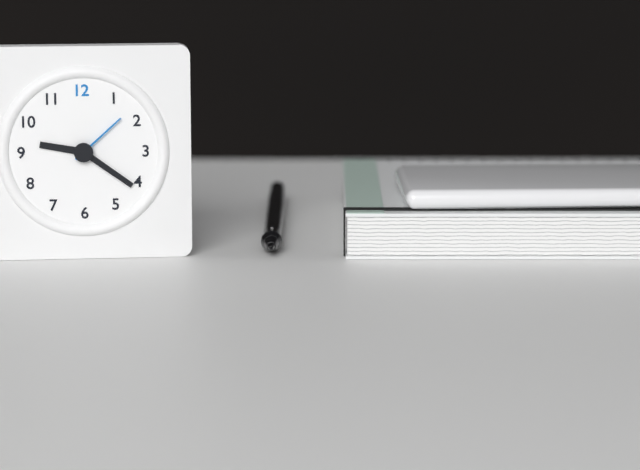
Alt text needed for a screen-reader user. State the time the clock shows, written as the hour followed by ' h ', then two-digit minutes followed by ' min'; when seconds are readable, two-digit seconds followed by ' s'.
9 h 21 min 08 s
